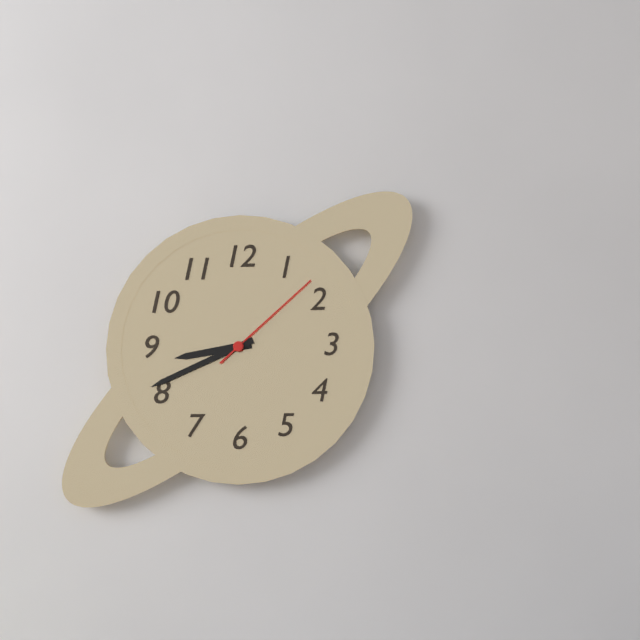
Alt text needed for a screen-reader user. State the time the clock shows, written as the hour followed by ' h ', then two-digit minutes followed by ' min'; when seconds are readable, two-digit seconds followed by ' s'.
8 h 41 min 08 s
